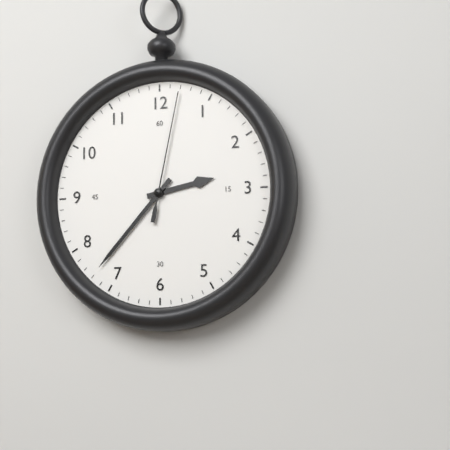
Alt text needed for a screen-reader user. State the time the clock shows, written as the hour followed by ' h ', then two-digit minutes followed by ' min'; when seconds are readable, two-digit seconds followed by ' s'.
2 h 37 min 02 s
